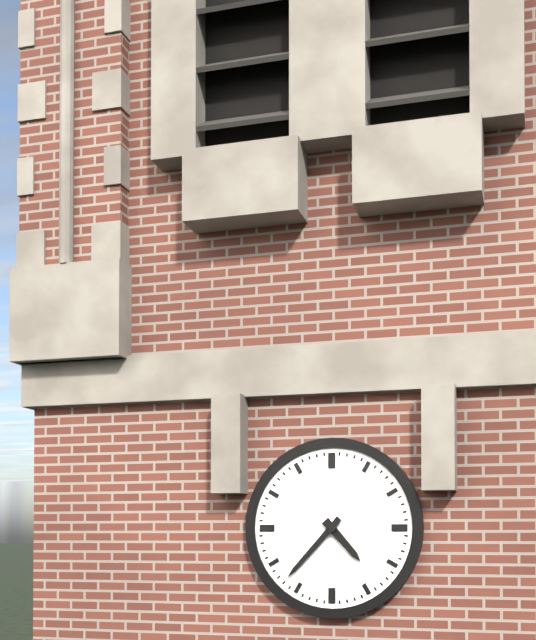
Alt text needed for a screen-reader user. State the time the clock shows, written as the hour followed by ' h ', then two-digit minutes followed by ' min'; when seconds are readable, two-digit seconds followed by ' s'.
4 h 37 min
